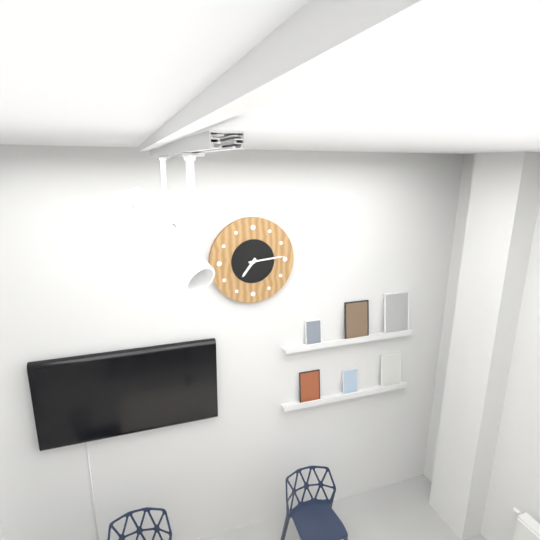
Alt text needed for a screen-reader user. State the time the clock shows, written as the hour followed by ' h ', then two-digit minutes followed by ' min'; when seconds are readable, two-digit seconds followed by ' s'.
7 h 14 min
